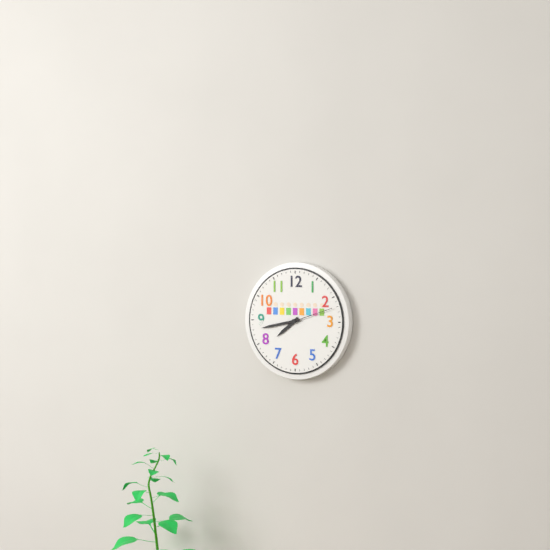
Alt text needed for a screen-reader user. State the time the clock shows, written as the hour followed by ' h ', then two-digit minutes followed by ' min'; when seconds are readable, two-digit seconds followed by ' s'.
7 h 43 min 12 s
